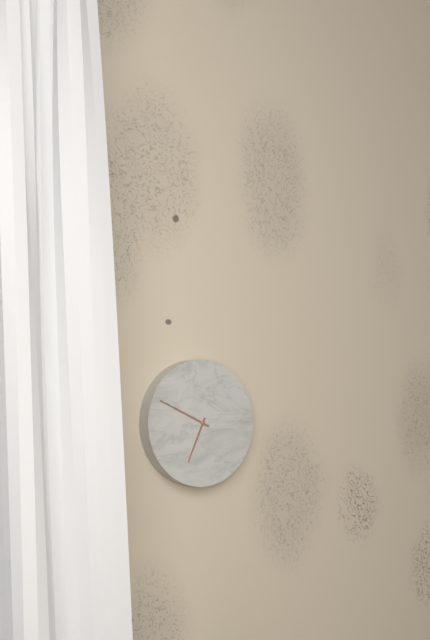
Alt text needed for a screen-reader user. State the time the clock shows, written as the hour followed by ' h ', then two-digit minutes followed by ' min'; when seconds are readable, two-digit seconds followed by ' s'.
6 h 49 min
